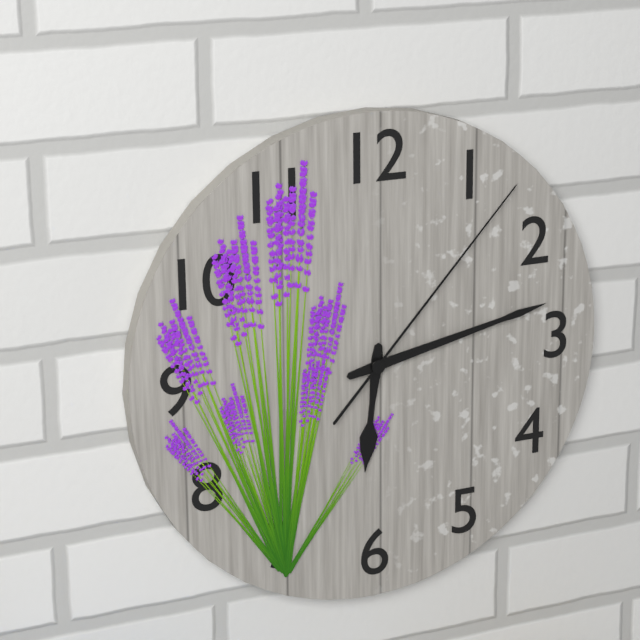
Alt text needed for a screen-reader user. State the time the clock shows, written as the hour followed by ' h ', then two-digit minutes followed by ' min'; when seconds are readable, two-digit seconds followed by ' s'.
6 h 13 min 07 s
